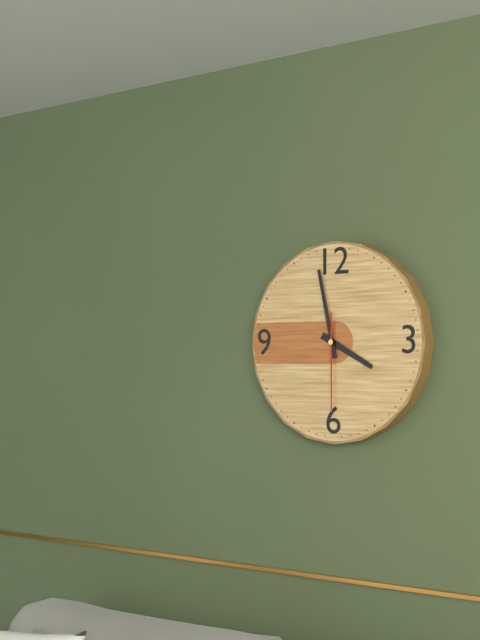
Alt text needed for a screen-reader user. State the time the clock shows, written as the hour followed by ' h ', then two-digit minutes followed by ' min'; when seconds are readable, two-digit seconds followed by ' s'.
3 h 58 min 30 s
